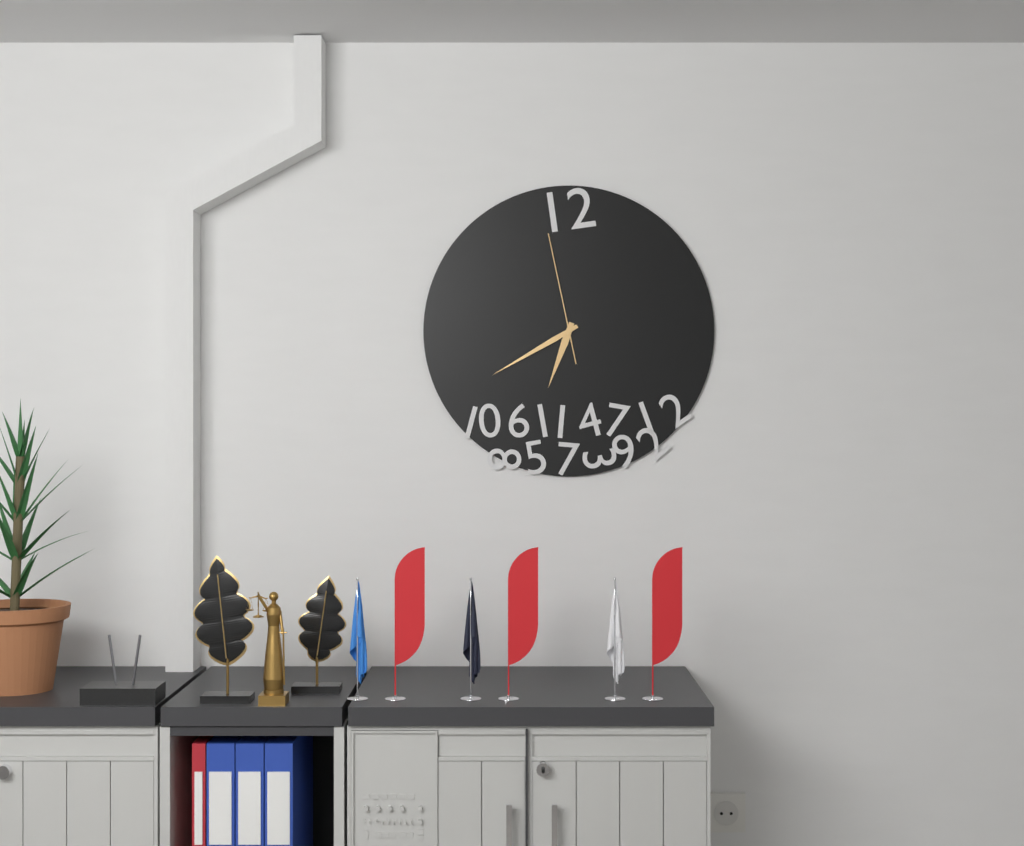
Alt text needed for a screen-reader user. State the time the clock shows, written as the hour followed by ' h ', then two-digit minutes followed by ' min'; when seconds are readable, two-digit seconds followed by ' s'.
6 h 40 min 58 s
